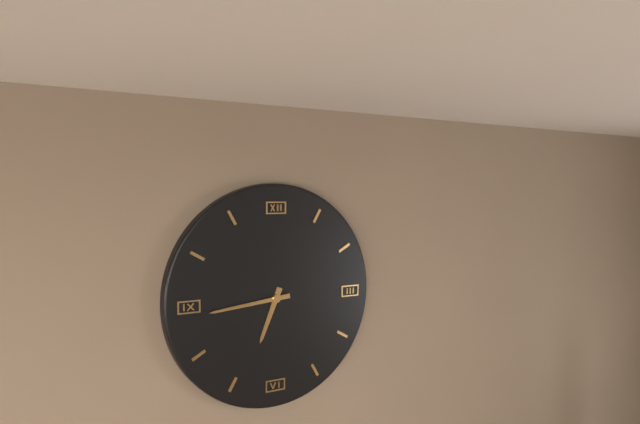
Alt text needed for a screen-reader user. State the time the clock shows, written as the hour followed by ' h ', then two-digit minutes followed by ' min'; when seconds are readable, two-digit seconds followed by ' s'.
6 h 44 min
